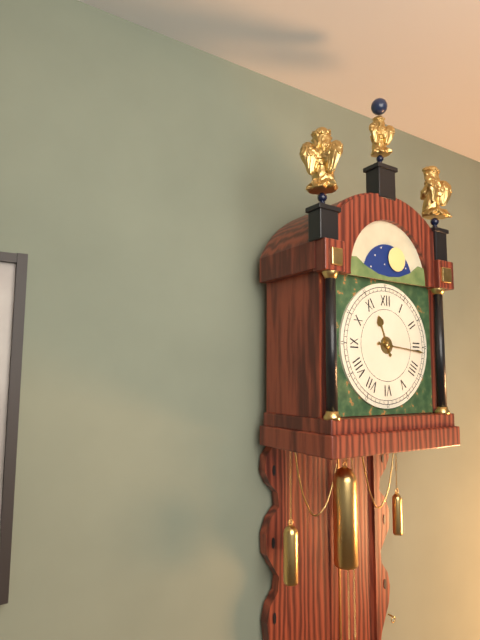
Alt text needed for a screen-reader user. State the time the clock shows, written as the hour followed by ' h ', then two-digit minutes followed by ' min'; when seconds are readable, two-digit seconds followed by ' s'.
11 h 16 min
